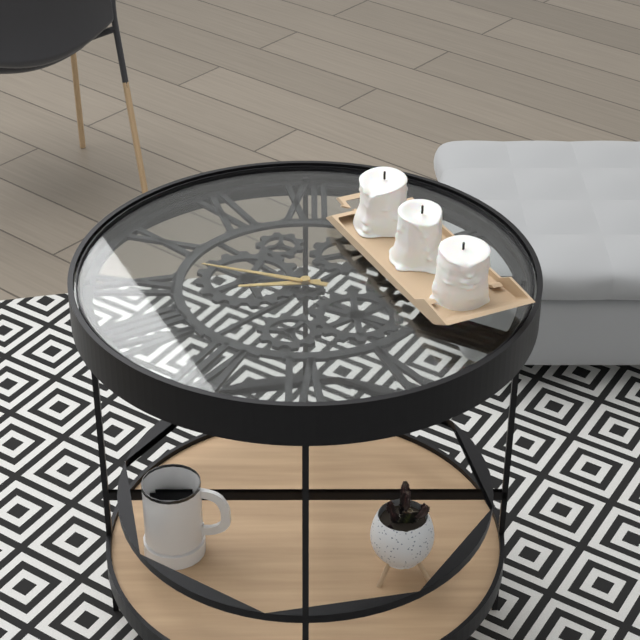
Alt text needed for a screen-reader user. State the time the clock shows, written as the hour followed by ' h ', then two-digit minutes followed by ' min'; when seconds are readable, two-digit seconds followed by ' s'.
8 h 48 min
